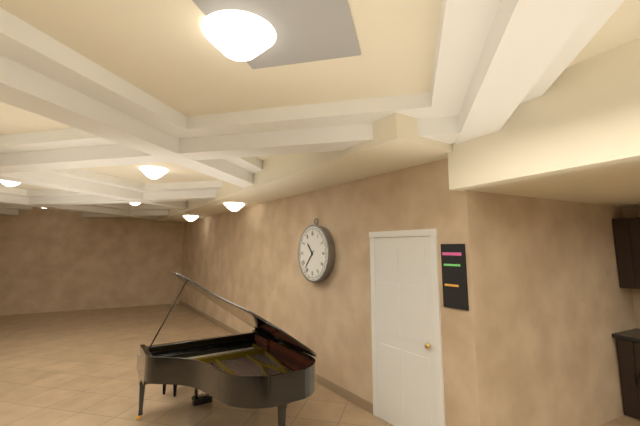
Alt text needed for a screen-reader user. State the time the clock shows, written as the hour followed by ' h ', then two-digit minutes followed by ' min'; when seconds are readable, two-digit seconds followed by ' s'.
10 h 37 min
